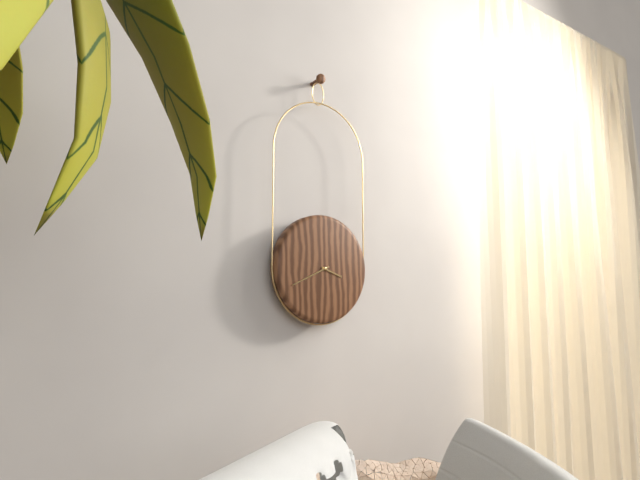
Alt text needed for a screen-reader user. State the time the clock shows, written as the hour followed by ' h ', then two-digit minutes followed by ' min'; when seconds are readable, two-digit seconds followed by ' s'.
3 h 41 min
